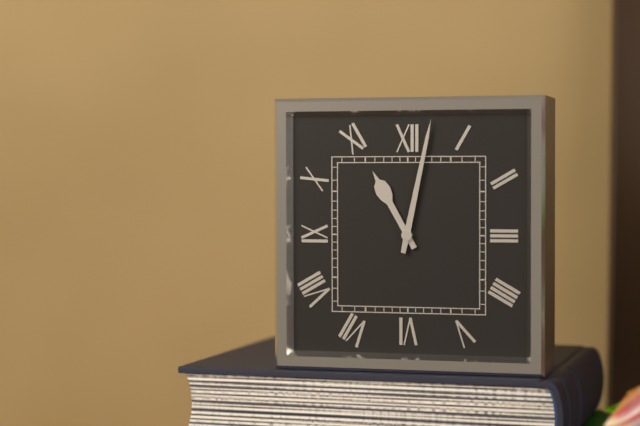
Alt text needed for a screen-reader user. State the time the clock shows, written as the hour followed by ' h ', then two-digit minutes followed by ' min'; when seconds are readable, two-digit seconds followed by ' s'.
11 h 02 min
